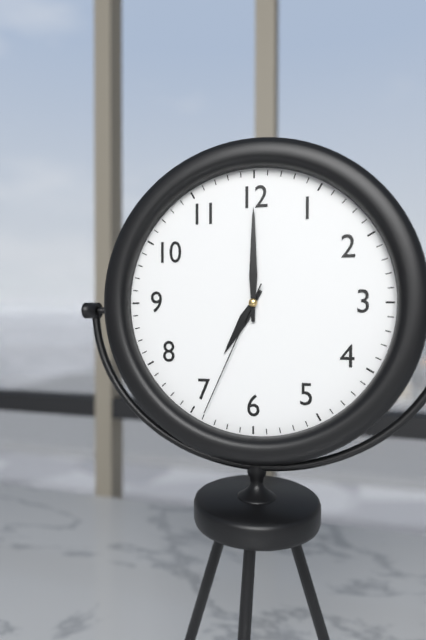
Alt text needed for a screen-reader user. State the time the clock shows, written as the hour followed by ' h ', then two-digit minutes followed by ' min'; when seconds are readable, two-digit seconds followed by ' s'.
7 h 00 min 34 s
